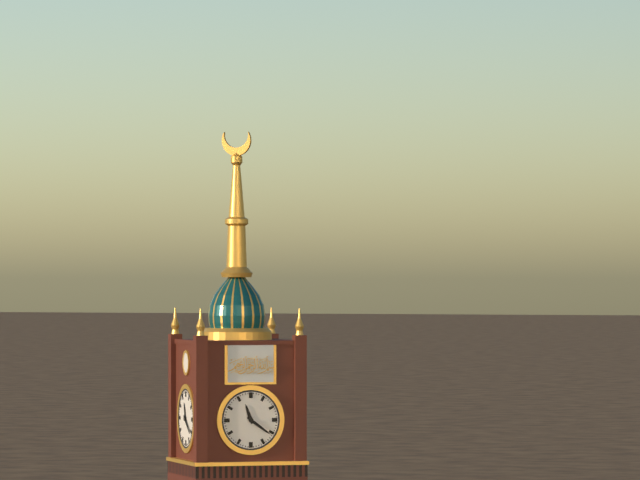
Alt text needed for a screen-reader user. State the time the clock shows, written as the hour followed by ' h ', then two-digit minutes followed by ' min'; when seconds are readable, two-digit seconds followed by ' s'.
11 h 21 min
